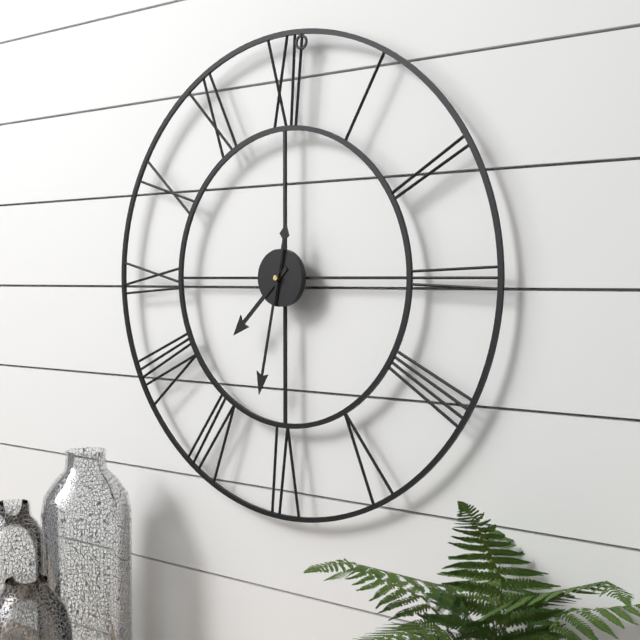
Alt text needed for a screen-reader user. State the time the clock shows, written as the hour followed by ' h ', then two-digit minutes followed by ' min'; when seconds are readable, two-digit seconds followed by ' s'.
7 h 32 min
